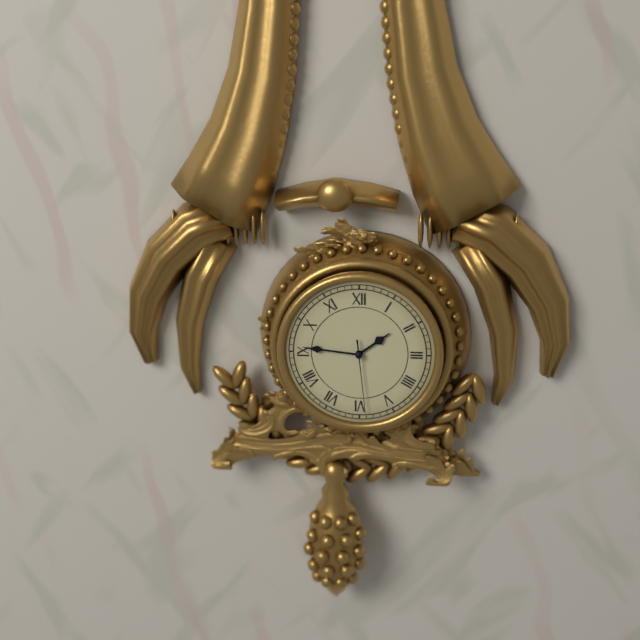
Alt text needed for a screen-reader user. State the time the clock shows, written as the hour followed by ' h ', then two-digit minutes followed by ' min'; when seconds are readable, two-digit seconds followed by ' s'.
1 h 46 min 29 s
